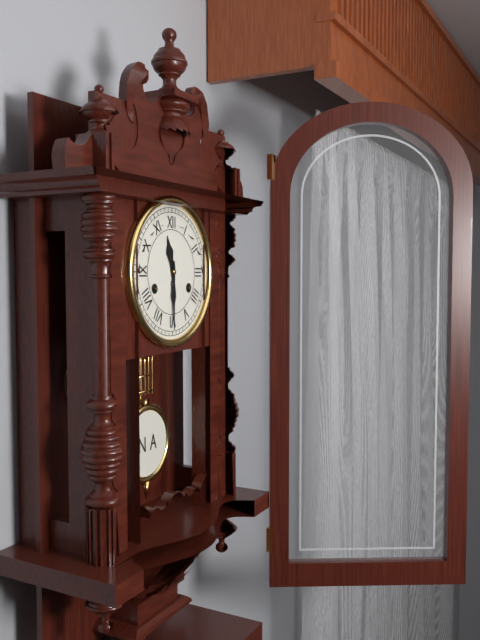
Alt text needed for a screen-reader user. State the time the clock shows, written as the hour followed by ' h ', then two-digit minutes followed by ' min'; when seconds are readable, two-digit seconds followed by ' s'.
11 h 30 min
